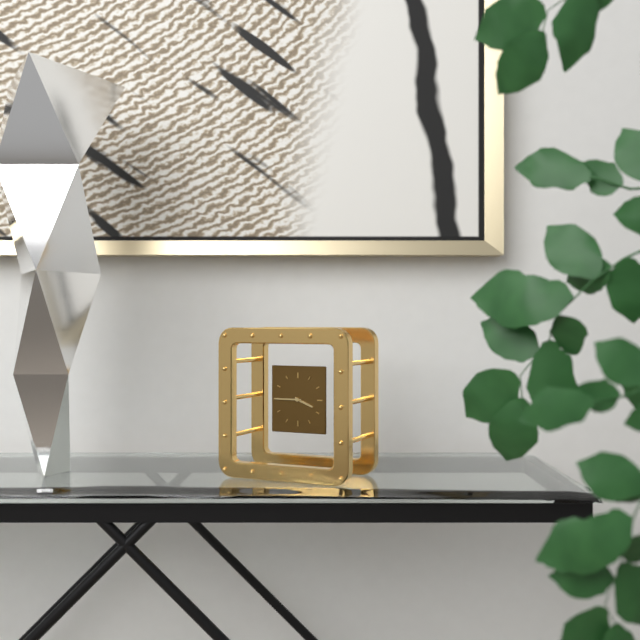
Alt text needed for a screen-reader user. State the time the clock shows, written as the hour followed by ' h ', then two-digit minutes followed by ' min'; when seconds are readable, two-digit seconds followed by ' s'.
3 h 45 min
